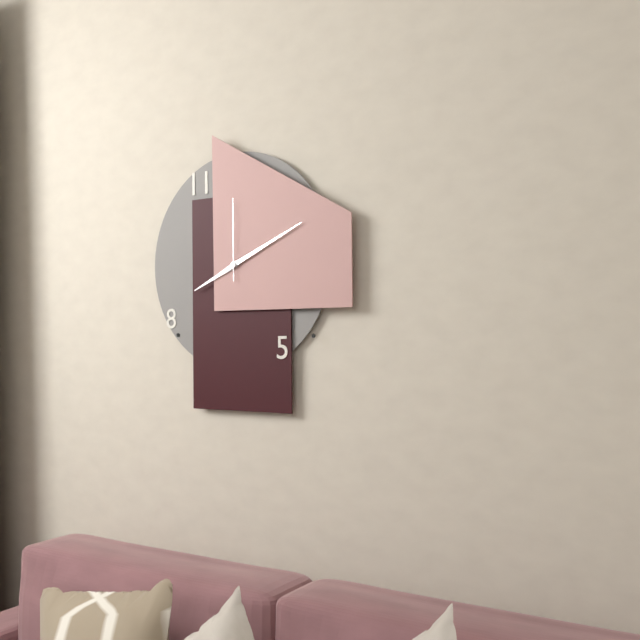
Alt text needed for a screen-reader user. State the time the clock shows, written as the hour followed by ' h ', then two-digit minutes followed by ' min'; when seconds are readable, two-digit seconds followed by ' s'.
8 h 11 min 00 s
